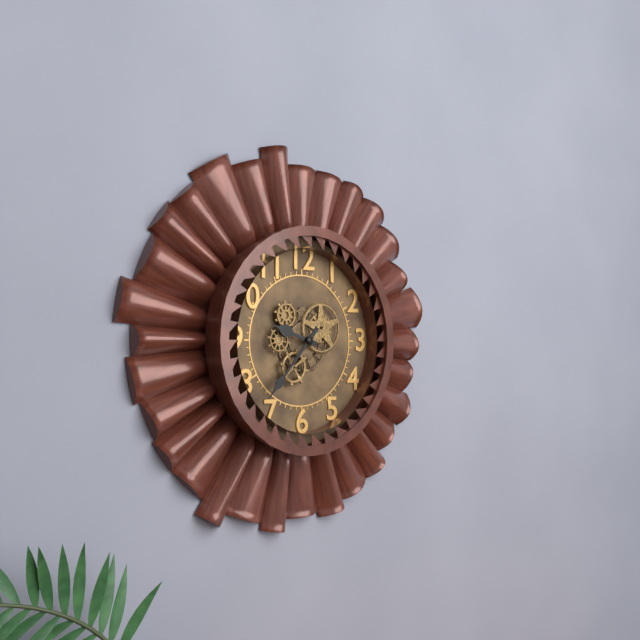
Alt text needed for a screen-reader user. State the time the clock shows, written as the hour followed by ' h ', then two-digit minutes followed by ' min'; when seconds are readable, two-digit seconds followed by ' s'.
9 h 37 min
